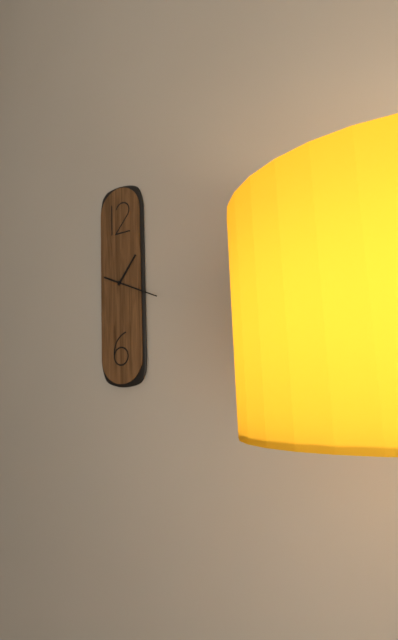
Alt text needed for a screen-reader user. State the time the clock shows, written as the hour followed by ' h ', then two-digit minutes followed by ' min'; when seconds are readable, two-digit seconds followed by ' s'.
1 h 19 min
